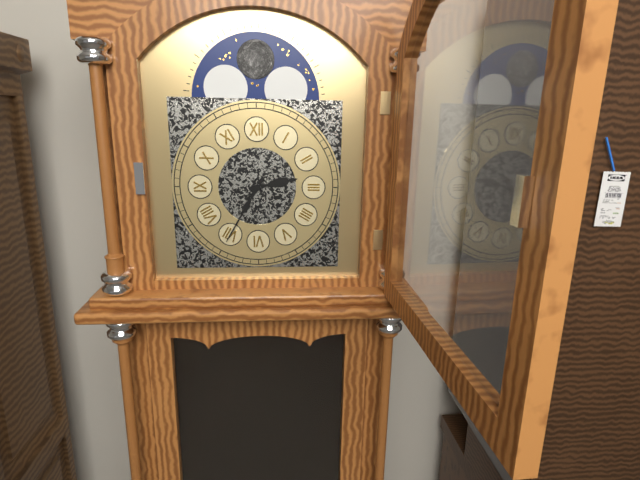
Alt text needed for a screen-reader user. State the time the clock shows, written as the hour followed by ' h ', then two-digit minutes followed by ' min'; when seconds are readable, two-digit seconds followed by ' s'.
2 h 35 min
